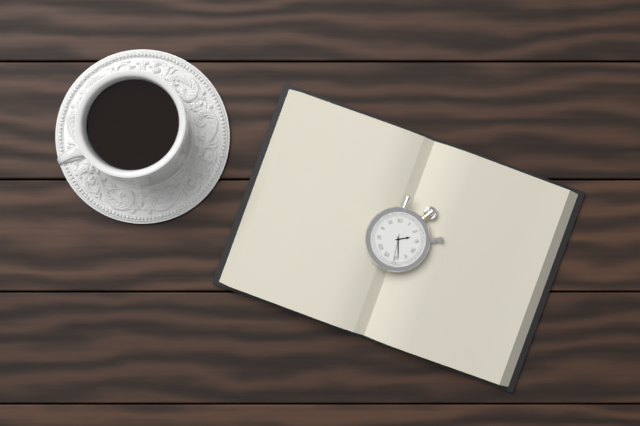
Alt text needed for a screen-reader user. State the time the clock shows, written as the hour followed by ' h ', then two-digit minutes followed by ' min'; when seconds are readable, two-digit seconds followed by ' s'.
2 h 29 min
